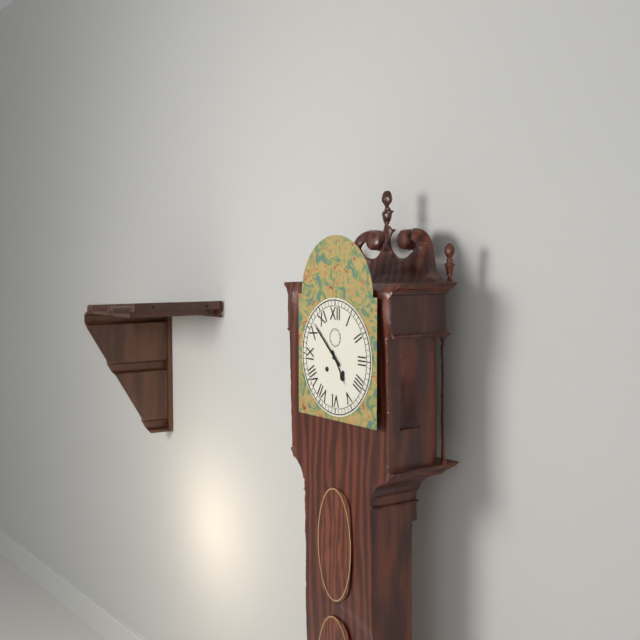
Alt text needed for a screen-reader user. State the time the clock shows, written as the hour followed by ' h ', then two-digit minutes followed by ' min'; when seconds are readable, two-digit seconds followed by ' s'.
4 h 52 min
